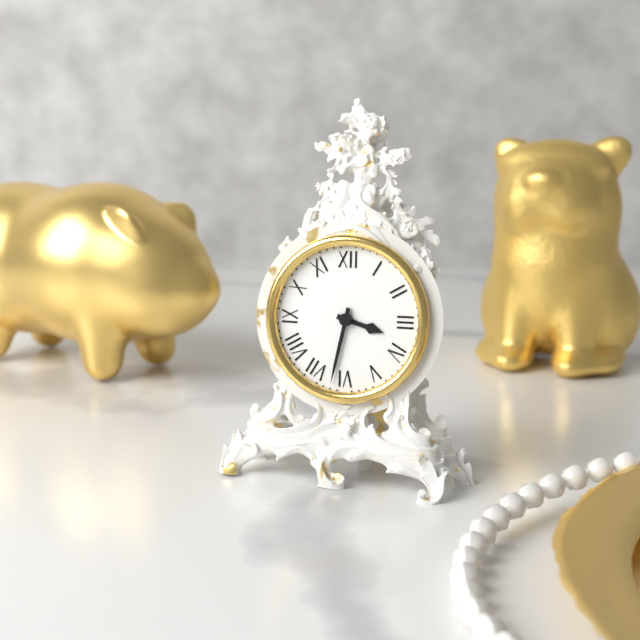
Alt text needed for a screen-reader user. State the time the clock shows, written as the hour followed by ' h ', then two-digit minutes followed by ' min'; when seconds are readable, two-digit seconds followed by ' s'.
3 h 32 min
